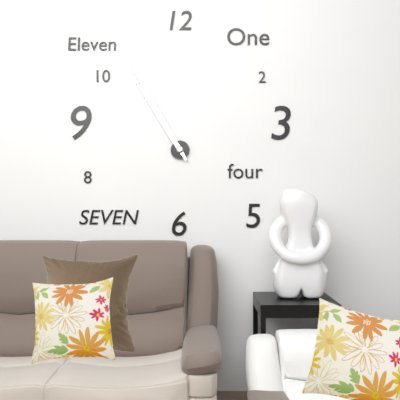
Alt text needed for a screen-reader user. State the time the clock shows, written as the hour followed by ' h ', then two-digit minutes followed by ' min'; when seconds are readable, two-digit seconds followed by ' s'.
10 h 55 min
